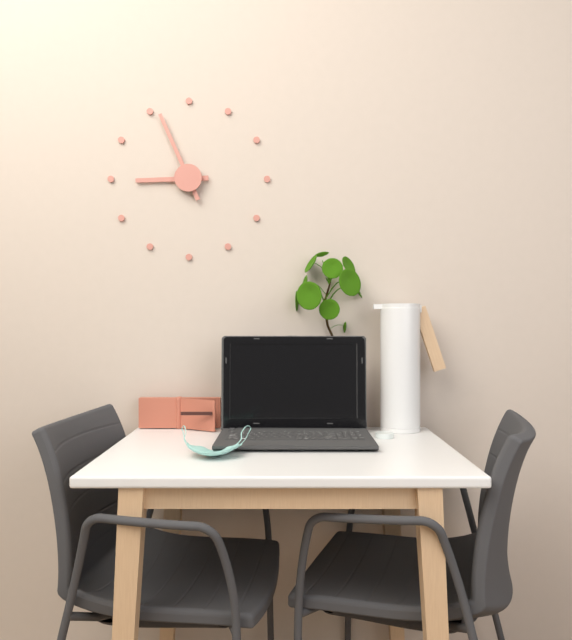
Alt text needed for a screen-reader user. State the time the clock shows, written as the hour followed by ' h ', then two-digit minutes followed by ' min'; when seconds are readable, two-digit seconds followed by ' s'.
8 h 56 min
